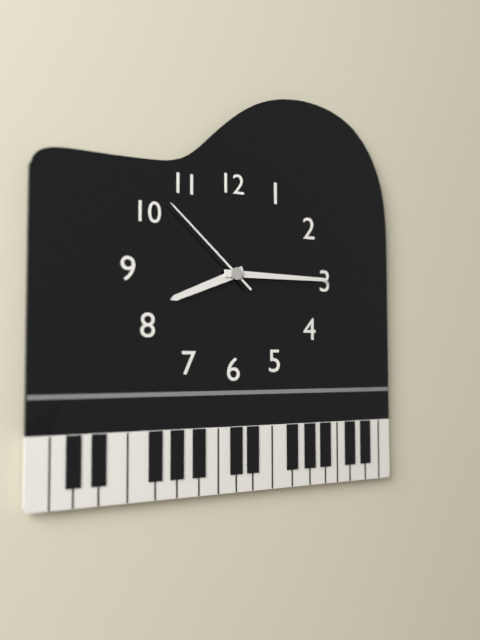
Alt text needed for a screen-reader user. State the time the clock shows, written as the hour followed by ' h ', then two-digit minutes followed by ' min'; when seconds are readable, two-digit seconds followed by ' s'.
8 h 15 min 52 s
